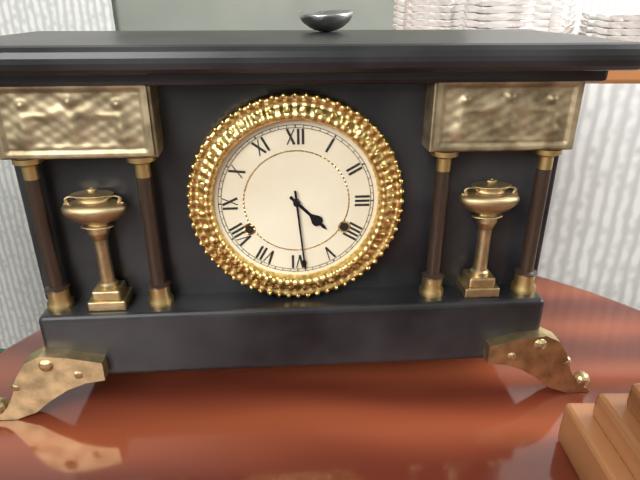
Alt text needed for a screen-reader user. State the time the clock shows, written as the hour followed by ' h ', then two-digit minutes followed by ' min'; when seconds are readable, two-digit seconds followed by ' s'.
4 h 29 min
